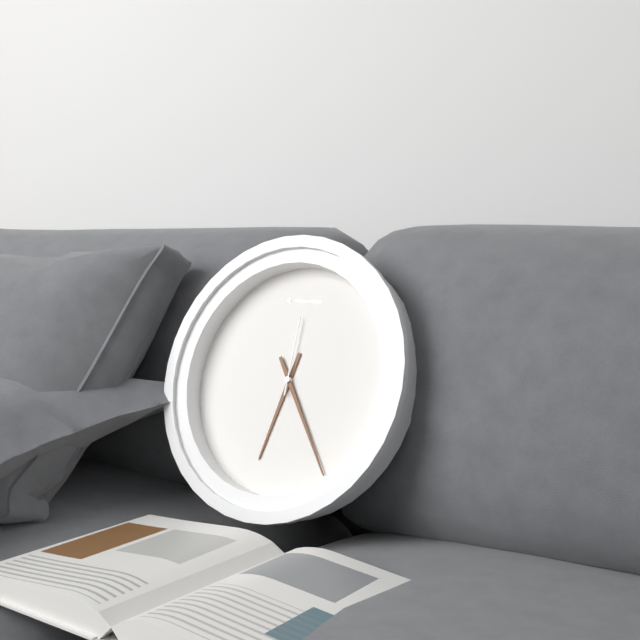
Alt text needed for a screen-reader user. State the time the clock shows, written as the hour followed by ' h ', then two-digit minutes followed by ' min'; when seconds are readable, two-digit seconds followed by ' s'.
6 h 24 min 00 s
